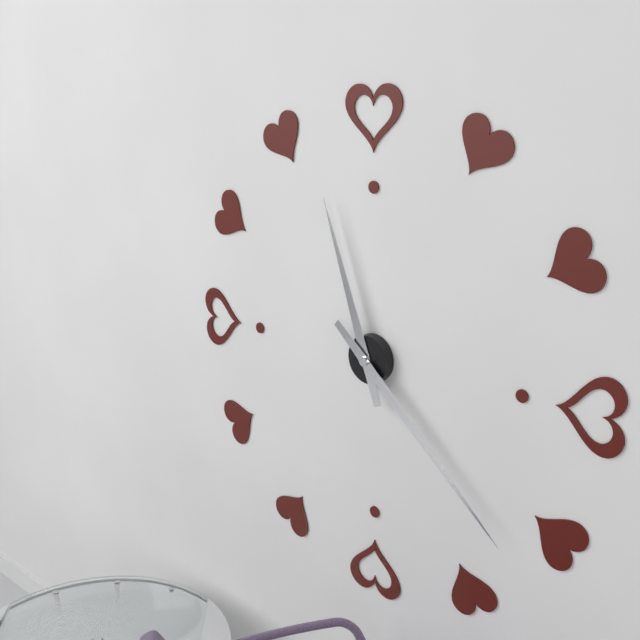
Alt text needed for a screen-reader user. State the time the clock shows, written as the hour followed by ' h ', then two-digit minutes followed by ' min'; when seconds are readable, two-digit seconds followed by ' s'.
11 h 22 min
